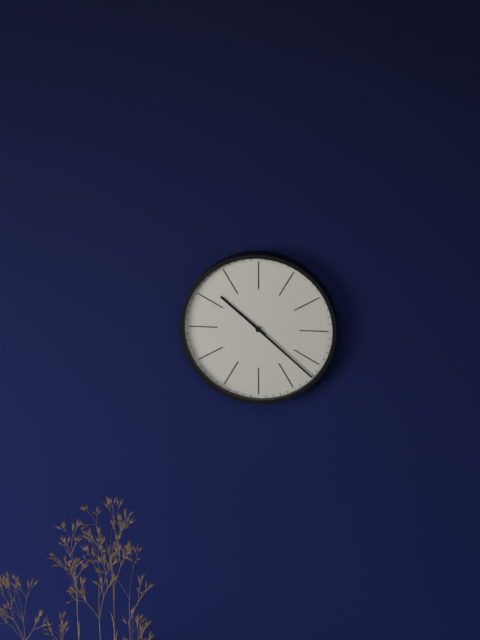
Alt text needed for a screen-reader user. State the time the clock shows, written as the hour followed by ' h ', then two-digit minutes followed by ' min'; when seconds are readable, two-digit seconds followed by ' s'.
10 h 22 min
